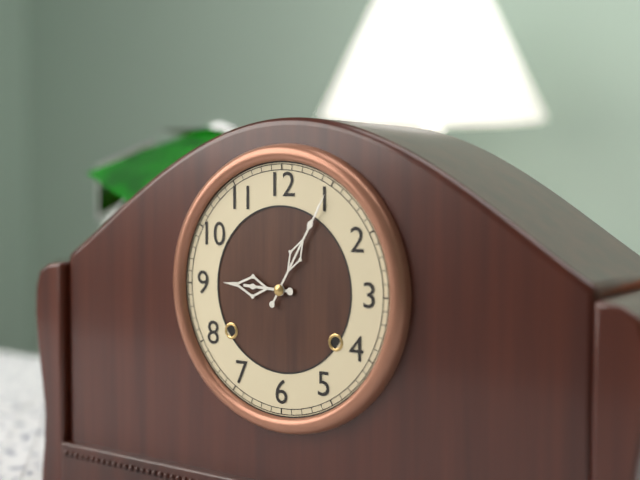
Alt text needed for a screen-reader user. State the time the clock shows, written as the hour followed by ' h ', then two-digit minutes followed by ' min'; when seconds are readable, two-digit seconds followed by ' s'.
9 h 05 min
